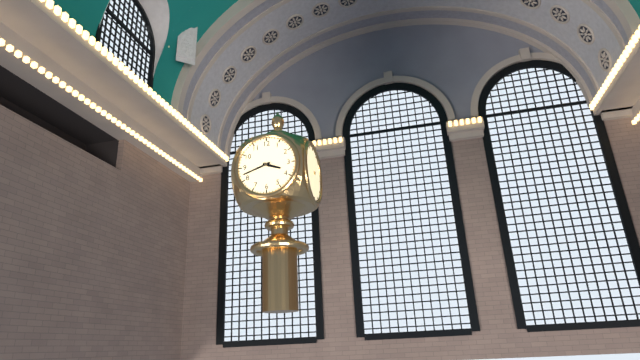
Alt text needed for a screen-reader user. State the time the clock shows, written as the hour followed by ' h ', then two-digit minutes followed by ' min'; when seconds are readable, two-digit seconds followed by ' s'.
3 h 42 min
